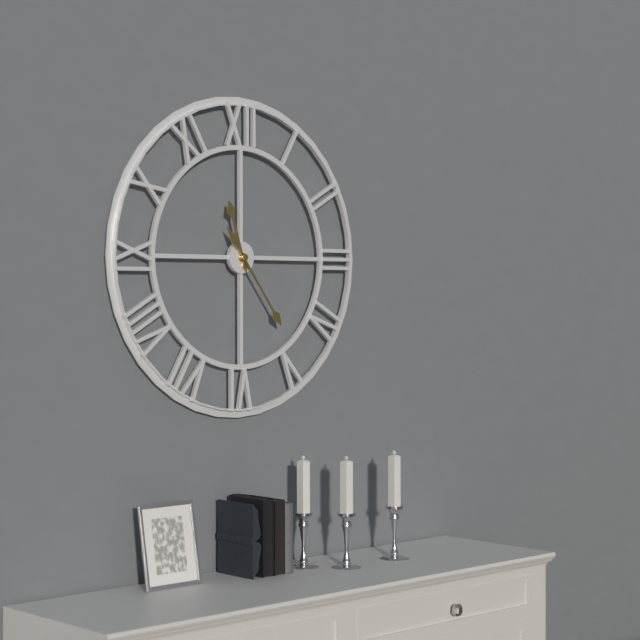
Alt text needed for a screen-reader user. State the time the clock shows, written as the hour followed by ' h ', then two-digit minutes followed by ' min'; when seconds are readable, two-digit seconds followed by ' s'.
11 h 24 min
